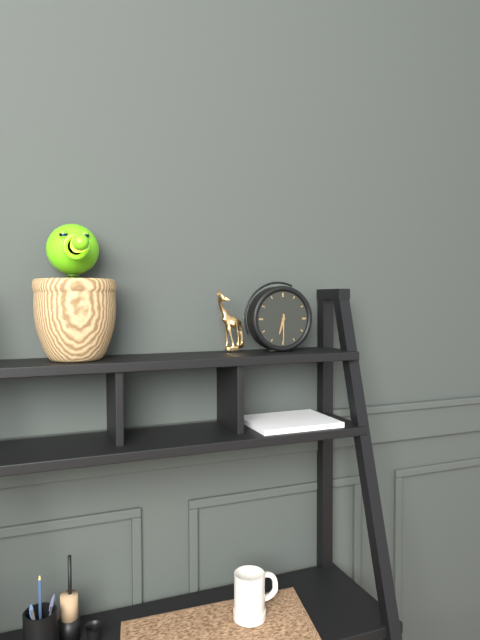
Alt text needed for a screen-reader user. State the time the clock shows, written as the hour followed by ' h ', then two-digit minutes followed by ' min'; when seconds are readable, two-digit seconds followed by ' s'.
6 h 30 min
